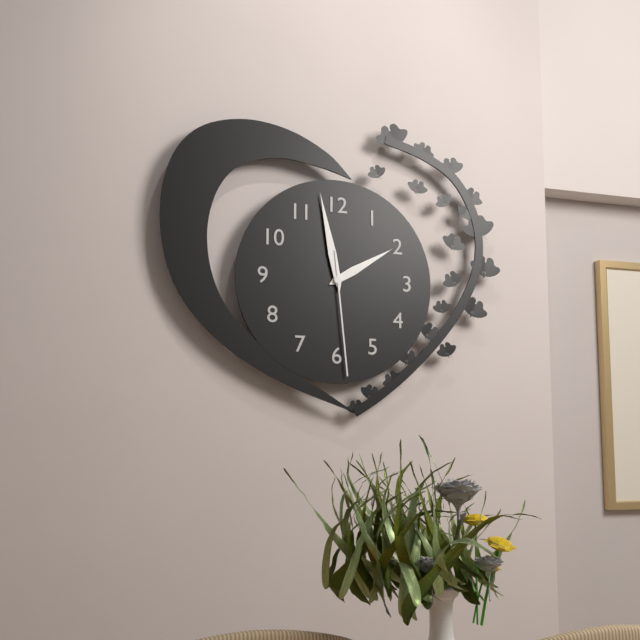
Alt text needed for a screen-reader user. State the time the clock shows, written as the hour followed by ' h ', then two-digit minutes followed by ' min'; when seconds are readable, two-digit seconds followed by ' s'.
1 h 58 min 29 s
